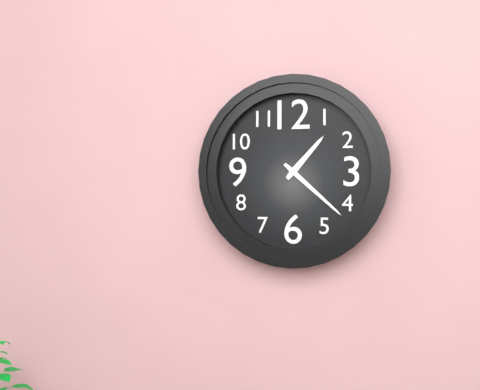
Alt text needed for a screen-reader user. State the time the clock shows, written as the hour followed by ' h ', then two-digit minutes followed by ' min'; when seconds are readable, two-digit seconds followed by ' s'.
1 h 22 min
